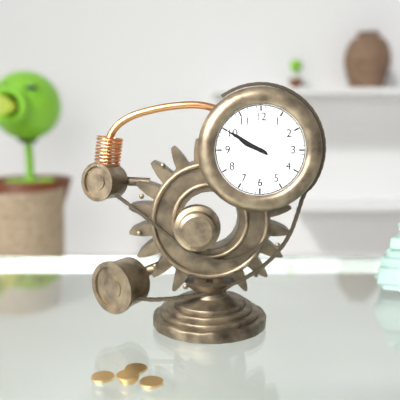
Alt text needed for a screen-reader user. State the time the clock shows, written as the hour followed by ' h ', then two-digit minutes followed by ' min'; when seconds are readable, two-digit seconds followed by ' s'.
9 h 50 min
